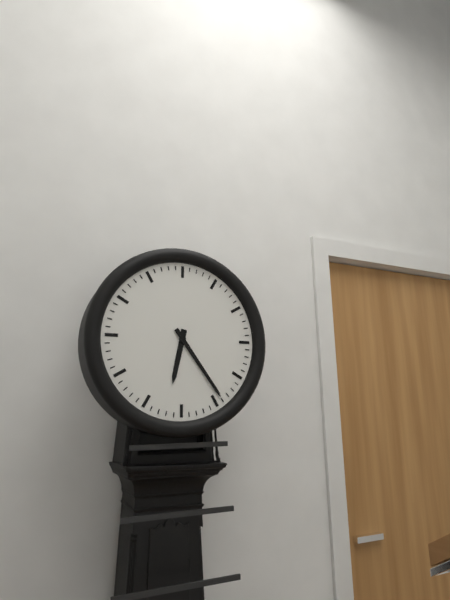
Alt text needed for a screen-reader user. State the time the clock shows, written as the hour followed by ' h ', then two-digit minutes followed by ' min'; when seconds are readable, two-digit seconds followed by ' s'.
6 h 24 min
